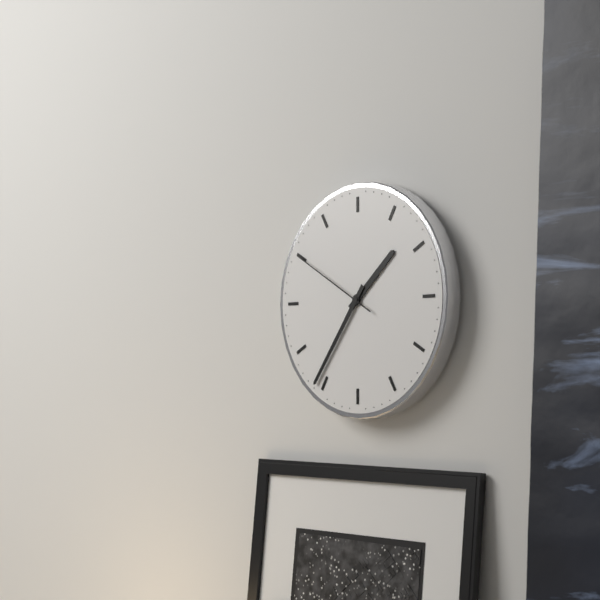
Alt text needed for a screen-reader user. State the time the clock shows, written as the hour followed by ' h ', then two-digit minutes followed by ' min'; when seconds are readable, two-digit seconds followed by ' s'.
1 h 36 min 50 s
